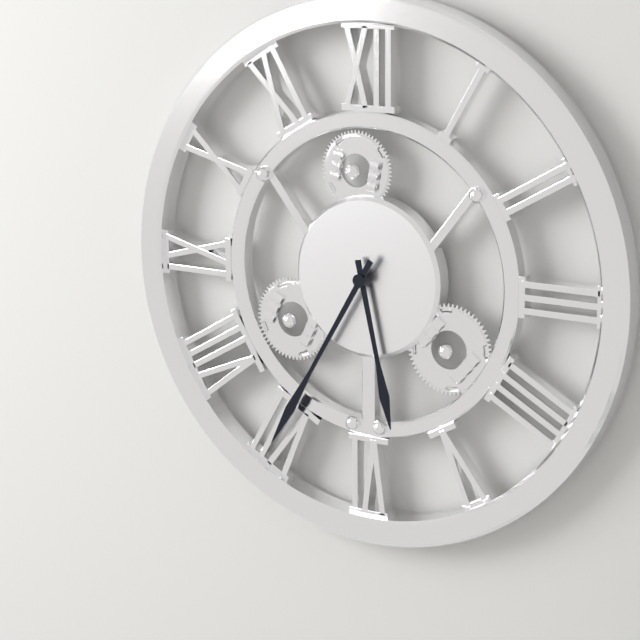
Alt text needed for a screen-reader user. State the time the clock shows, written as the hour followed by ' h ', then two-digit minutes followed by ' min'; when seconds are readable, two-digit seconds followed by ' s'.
5 h 35 min
